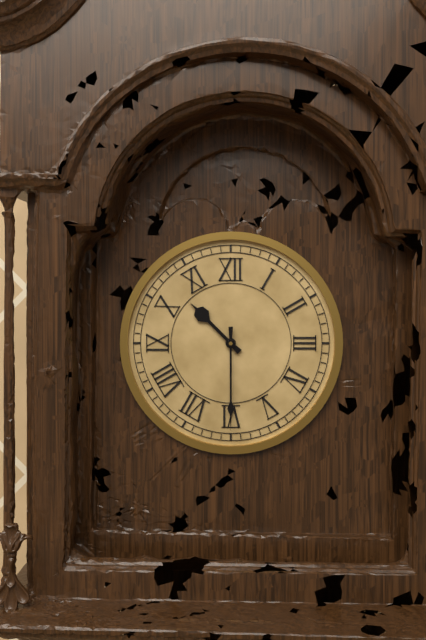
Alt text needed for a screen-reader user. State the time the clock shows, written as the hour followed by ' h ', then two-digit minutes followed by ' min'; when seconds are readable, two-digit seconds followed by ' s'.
10 h 30 min
